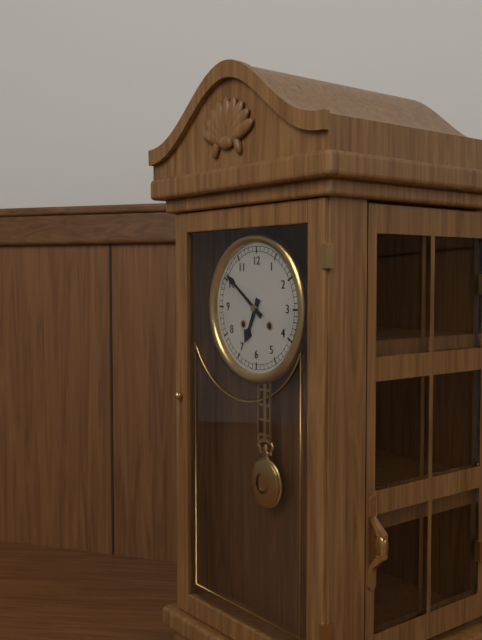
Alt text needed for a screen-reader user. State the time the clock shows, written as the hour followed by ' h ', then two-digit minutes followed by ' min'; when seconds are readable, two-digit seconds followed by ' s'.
6 h 51 min
